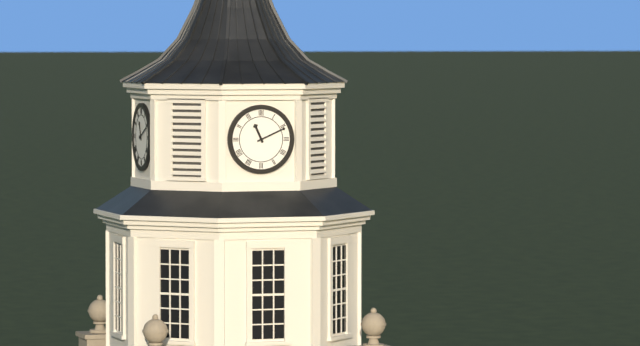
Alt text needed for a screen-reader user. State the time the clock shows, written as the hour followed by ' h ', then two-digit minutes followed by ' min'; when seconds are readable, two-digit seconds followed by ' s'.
11 h 11 min
